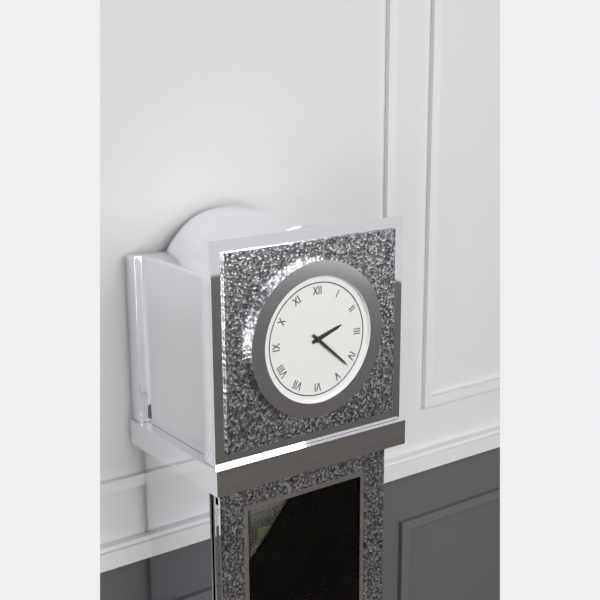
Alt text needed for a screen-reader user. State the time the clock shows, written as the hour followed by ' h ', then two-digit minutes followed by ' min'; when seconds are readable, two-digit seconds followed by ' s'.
2 h 22 min
